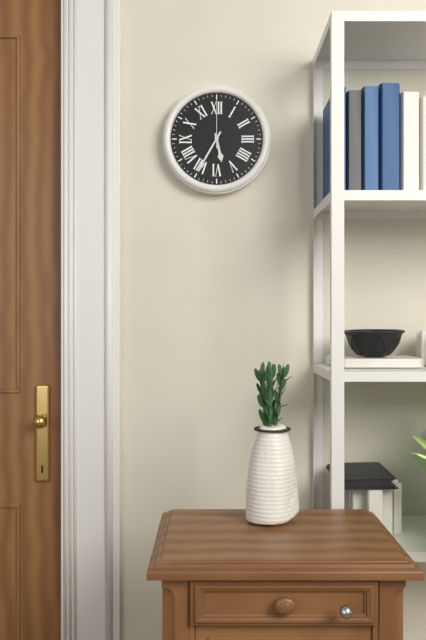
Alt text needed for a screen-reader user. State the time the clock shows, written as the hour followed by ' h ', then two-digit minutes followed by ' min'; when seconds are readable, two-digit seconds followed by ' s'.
5 h 35 min 00 s
